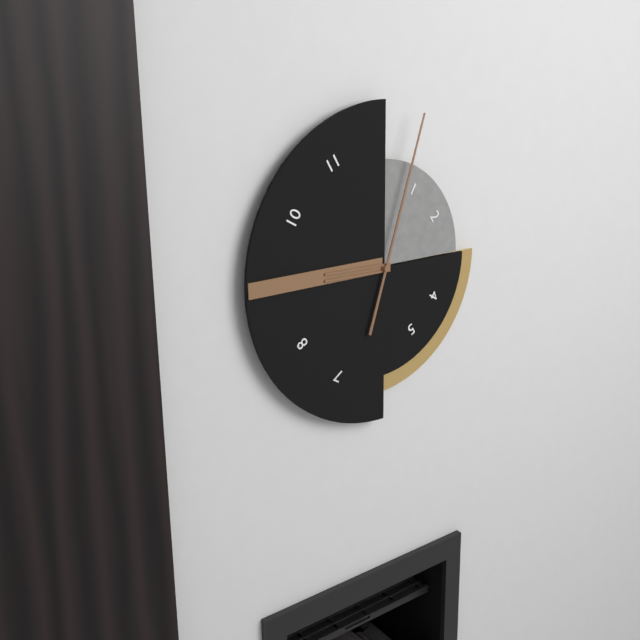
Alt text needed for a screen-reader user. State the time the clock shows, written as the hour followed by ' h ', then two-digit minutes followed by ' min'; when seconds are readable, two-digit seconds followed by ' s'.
9 h 03 min
